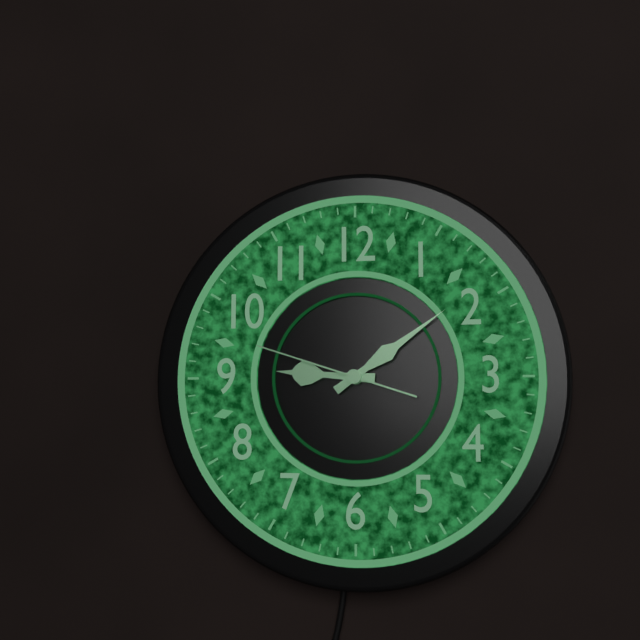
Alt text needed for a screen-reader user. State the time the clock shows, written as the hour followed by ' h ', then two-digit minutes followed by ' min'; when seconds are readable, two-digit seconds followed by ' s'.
9 h 09 min 48 s
